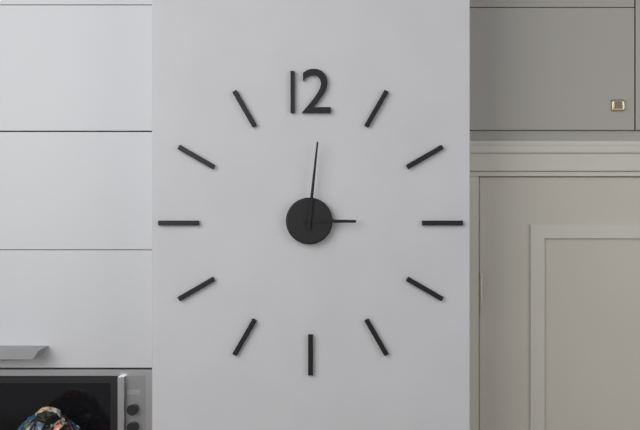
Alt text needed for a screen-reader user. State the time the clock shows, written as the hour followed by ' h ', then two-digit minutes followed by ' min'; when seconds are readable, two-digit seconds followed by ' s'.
3 h 01 min
